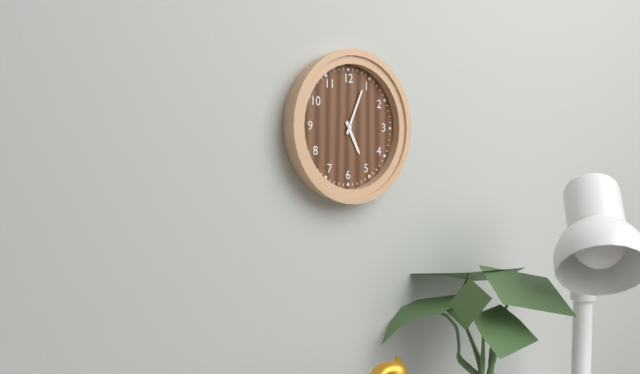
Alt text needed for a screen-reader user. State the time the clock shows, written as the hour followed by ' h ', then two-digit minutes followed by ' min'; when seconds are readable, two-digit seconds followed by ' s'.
5 h 04 min
